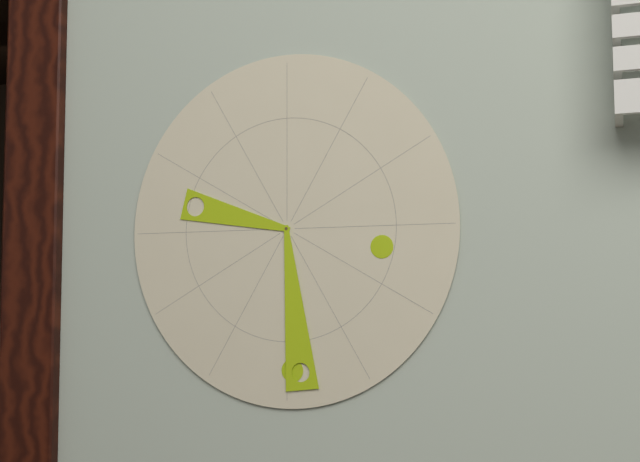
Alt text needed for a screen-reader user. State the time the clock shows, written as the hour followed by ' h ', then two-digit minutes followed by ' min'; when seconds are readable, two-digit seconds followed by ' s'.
9 h 29 min
